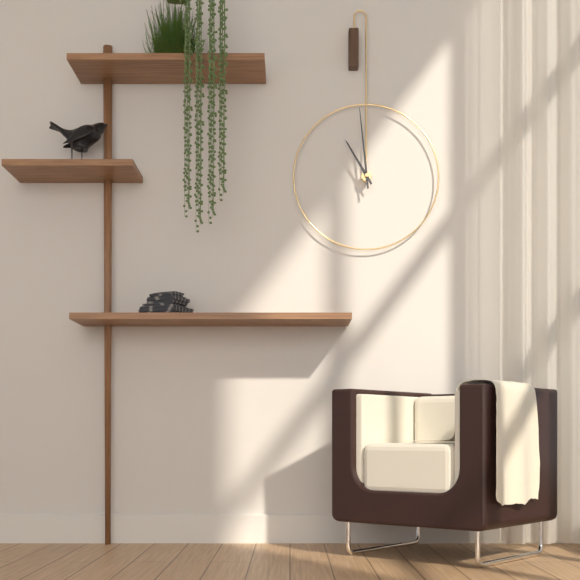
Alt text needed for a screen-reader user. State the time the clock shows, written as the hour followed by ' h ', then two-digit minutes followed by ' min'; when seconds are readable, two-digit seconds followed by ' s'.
10 h 59 min
